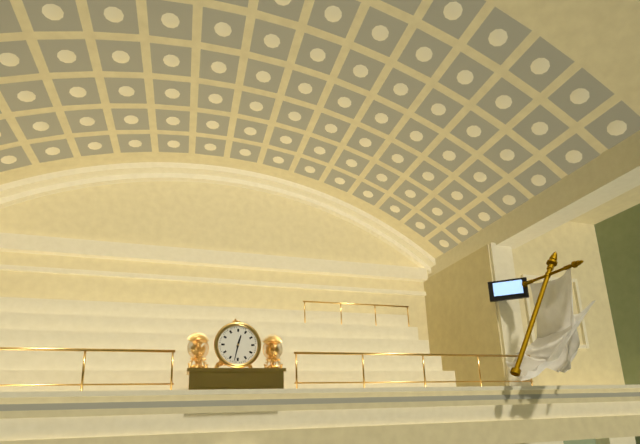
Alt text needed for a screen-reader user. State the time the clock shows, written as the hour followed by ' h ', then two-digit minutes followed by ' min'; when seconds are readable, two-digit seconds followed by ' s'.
12 h 32 min
